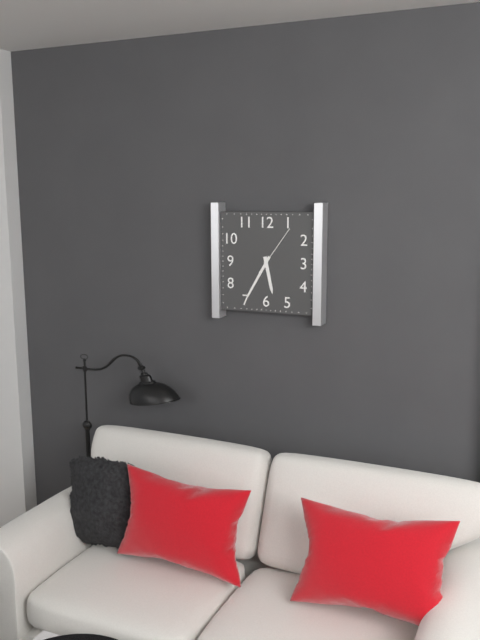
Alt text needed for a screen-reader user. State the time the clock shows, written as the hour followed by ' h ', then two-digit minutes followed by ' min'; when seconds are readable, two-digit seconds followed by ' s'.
5 h 35 min 06 s
